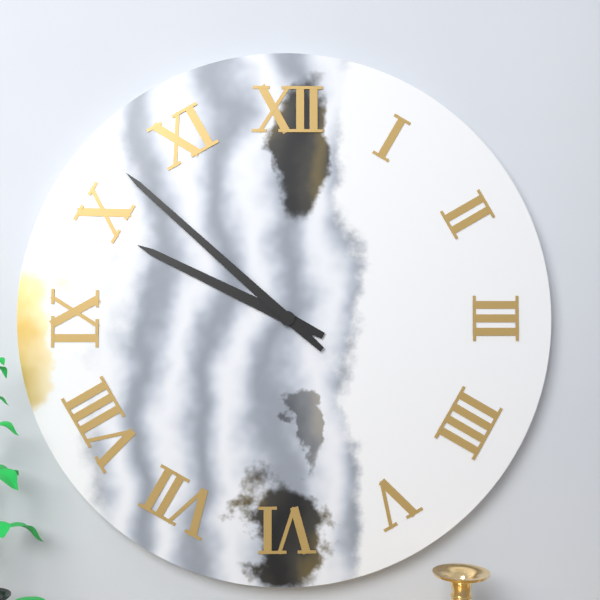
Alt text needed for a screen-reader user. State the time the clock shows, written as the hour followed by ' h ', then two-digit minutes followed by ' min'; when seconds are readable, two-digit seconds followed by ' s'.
9 h 52 min
